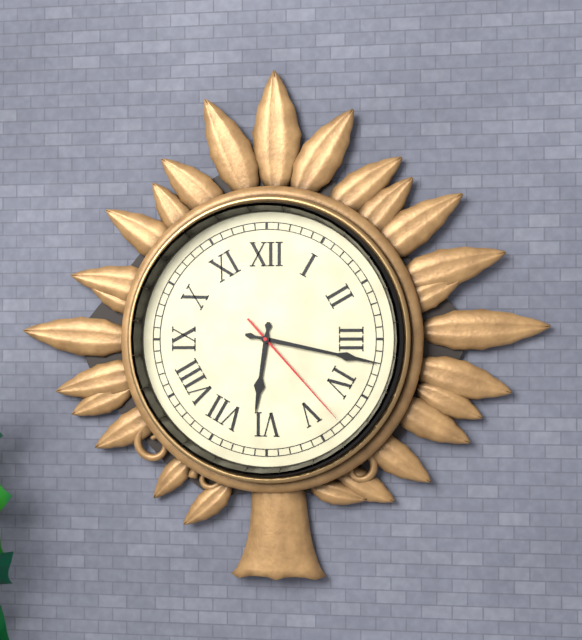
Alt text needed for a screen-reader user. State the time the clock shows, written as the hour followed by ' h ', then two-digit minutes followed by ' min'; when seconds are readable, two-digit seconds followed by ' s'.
6 h 17 min 23 s
